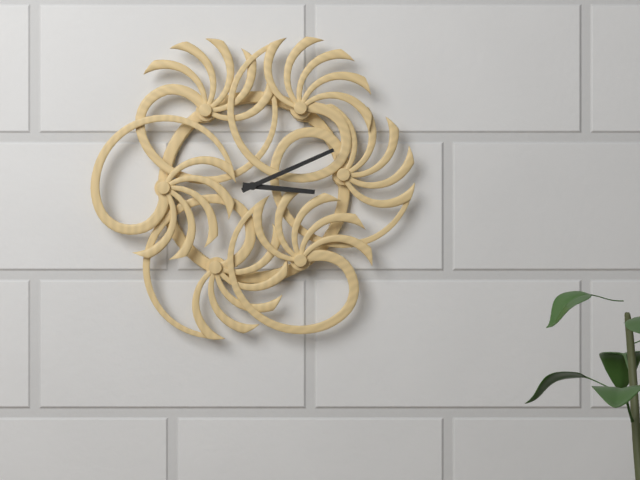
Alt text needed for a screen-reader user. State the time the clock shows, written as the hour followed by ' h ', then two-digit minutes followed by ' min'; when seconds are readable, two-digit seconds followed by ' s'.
3 h 11 min
